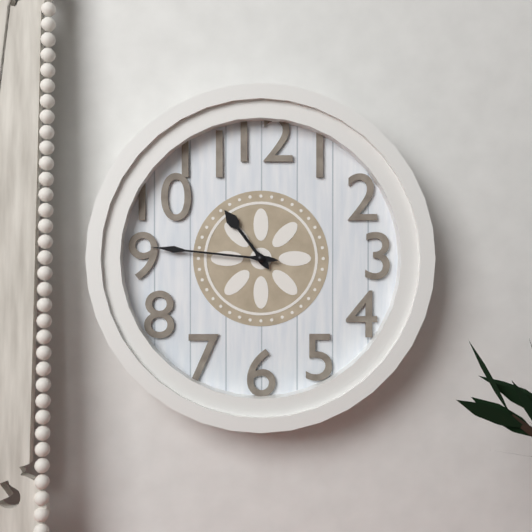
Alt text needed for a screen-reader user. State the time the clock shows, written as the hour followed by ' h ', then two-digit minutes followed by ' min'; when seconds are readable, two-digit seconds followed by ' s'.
10 h 46 min
